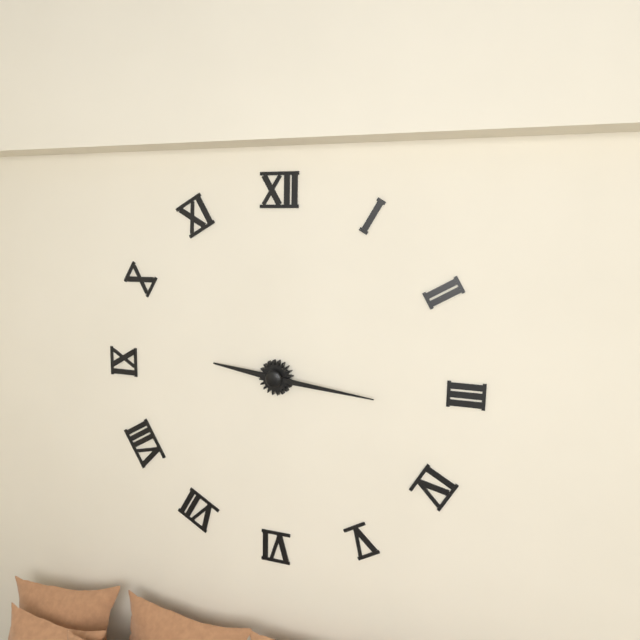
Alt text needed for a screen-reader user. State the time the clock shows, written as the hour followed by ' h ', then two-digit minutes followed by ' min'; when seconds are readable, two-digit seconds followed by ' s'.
9 h 16 min
